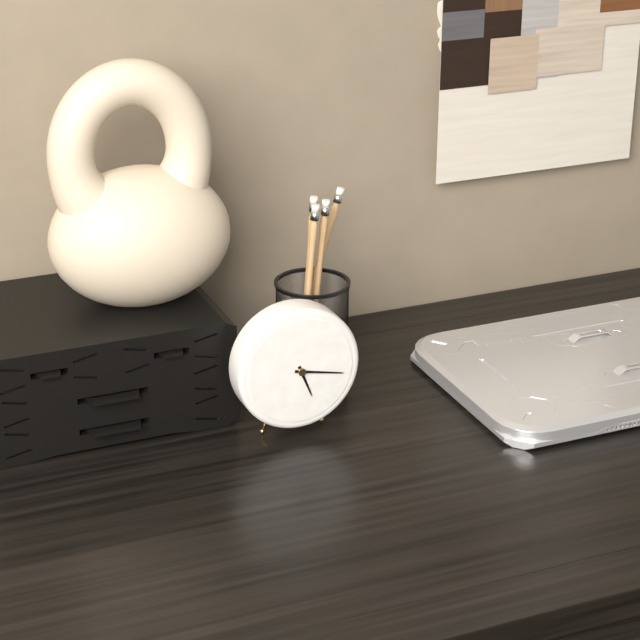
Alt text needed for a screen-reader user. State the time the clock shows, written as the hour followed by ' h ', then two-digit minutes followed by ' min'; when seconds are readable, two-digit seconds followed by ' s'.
5 h 17 min
